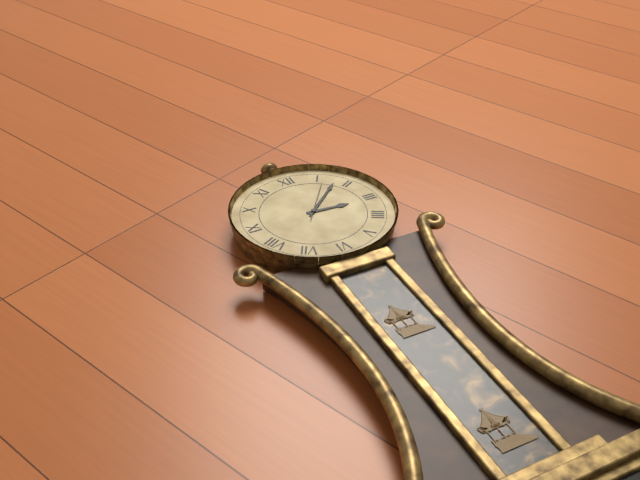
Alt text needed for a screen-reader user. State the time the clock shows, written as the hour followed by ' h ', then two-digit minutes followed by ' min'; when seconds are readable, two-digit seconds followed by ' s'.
3 h 08 min
